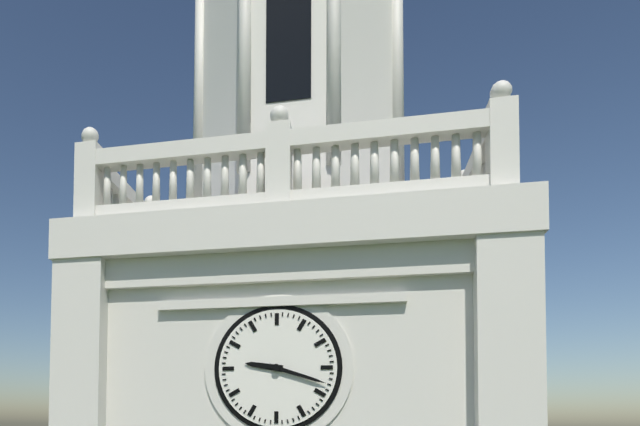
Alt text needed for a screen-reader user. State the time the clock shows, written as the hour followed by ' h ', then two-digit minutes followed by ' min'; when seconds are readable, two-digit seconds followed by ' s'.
9 h 18 min
